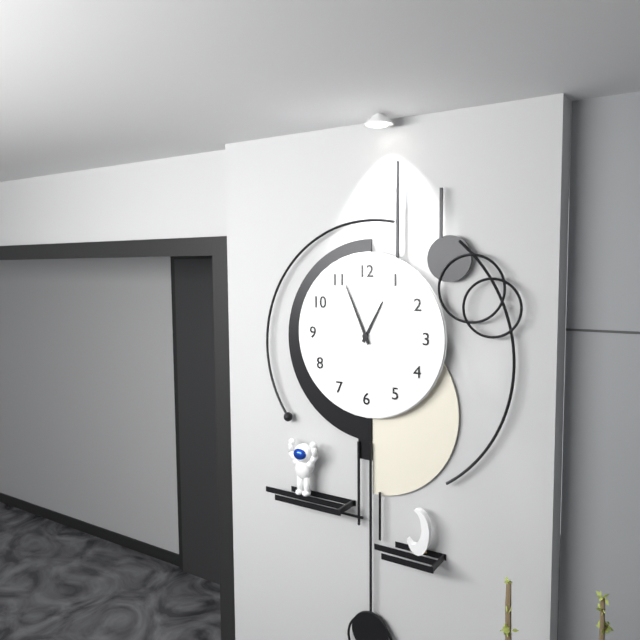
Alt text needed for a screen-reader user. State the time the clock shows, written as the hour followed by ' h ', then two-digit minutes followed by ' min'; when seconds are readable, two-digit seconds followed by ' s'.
12 h 56 min
